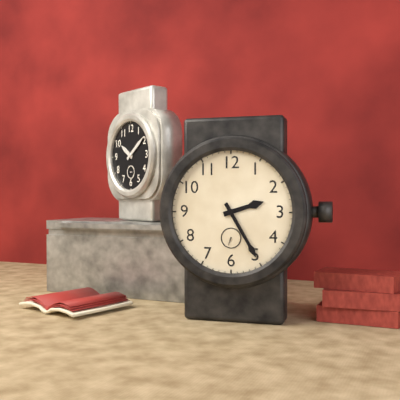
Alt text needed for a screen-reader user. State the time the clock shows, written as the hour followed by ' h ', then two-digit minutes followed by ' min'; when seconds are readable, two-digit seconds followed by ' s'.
2 h 25 min
